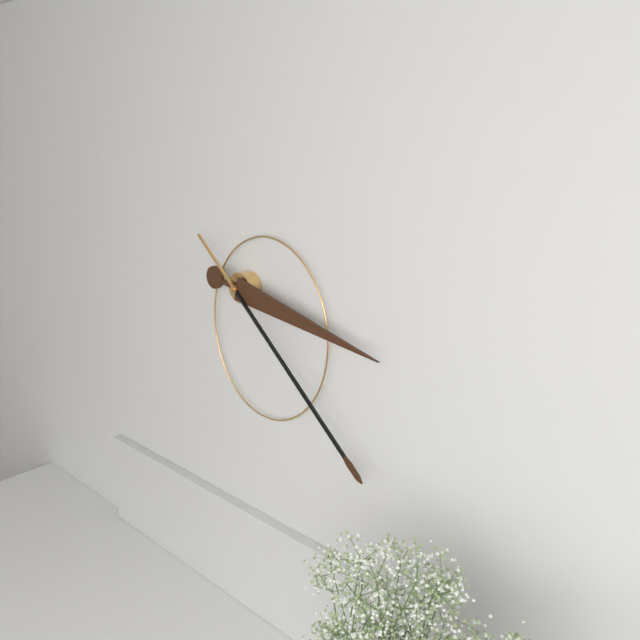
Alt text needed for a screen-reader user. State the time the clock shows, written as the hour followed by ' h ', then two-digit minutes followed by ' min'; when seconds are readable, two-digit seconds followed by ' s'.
3 h 22 min
